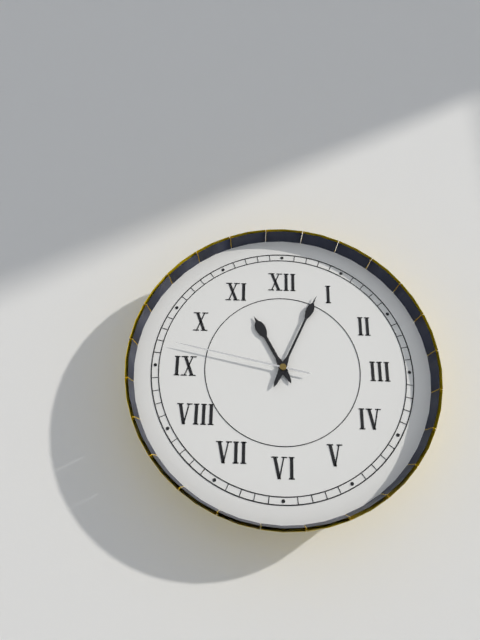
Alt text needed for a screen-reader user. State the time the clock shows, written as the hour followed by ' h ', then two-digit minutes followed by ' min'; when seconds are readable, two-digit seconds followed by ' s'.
11 h 04 min 47 s
